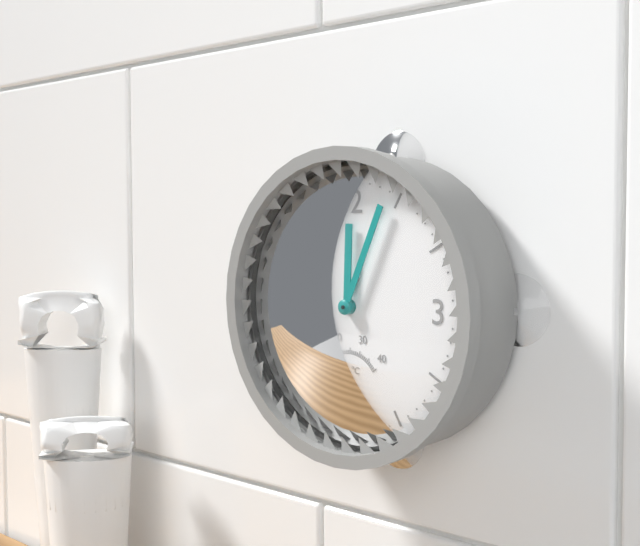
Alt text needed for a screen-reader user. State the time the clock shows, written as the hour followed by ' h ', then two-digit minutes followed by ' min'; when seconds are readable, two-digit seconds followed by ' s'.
12 h 04 min
